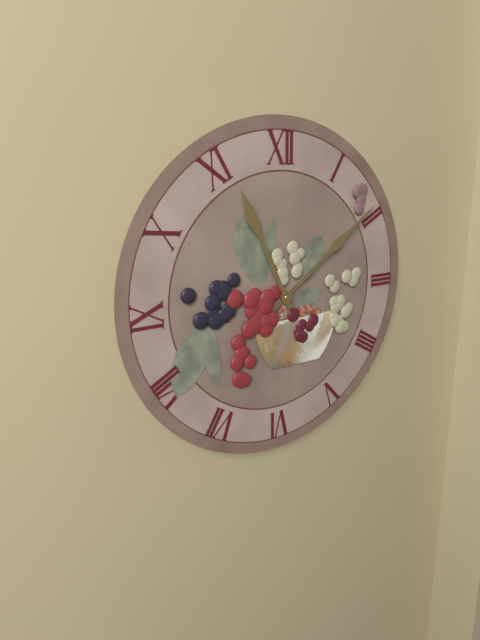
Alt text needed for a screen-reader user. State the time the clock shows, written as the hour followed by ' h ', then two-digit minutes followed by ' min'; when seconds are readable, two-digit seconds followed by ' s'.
11 h 09 min
